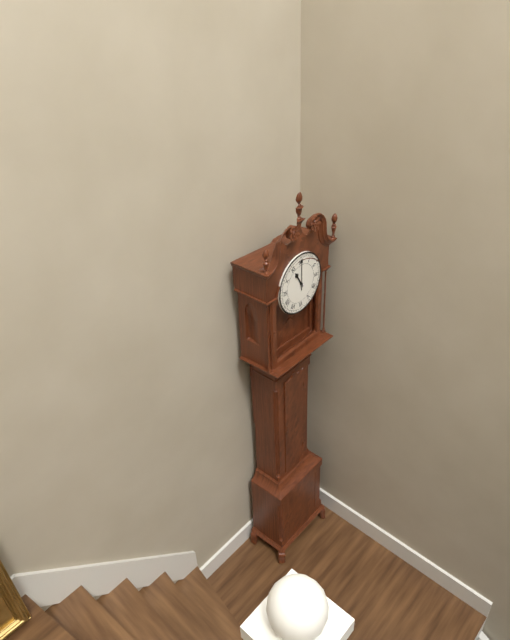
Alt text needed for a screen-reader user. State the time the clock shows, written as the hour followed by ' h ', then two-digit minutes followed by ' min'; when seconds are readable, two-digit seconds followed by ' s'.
11 h 00 min
